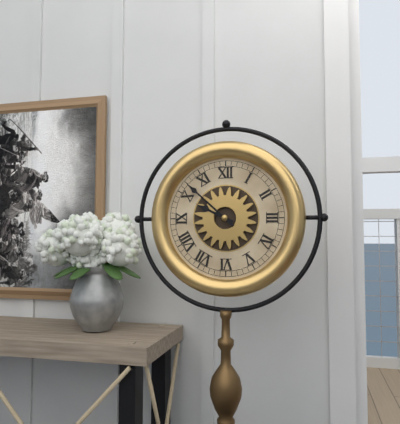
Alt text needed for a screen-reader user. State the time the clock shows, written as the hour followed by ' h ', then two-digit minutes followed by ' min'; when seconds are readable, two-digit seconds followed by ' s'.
9 h 52 min
